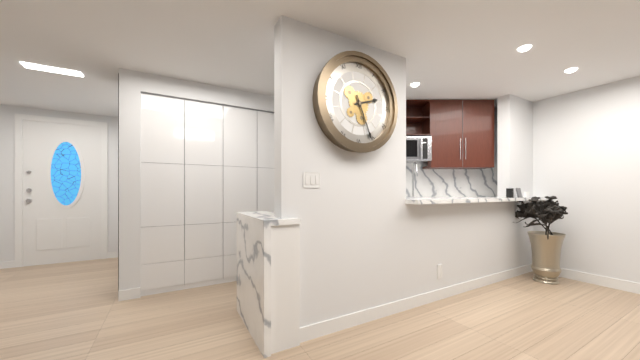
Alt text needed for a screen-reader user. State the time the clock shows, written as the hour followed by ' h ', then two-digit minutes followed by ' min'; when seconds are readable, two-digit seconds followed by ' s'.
2 h 26 min
